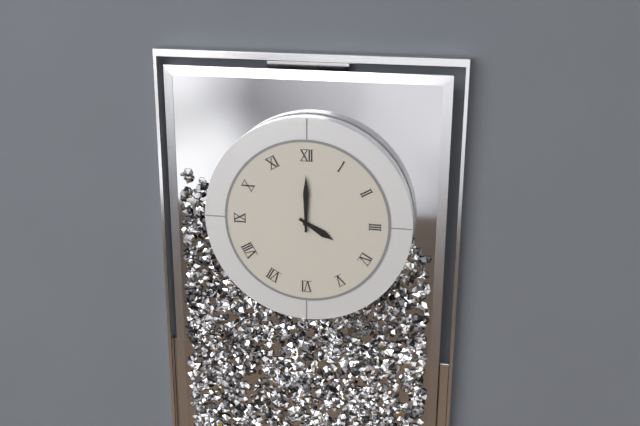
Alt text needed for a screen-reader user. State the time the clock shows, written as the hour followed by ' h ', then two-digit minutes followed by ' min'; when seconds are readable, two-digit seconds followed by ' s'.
4 h 00 min
